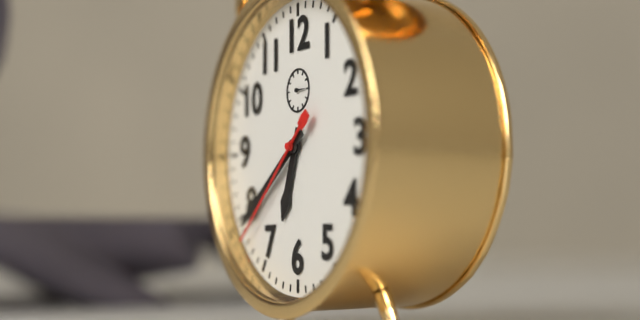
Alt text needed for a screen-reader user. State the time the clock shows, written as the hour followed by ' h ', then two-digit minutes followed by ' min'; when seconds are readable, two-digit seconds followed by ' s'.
6 h 39 min 38 s
